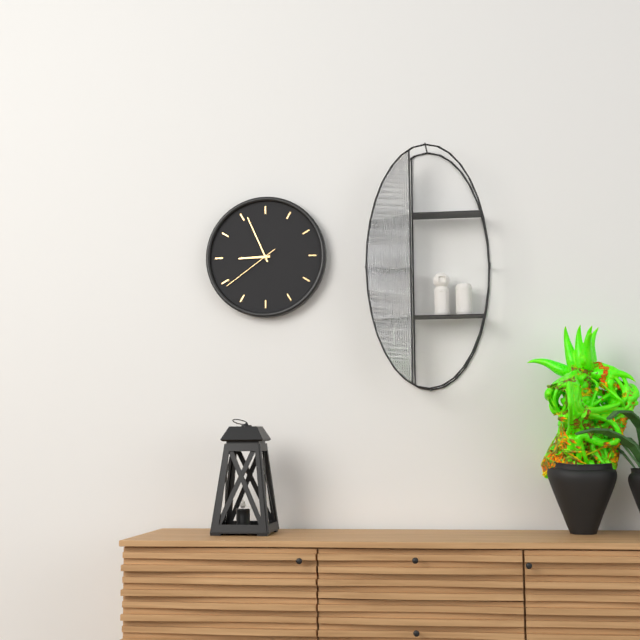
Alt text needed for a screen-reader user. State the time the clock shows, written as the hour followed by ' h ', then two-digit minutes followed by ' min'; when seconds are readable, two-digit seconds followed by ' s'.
8 h 56 min 39 s
